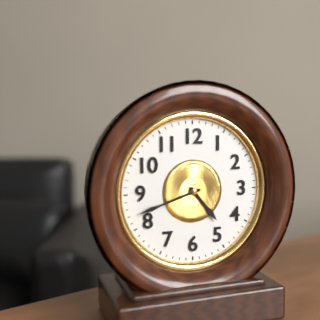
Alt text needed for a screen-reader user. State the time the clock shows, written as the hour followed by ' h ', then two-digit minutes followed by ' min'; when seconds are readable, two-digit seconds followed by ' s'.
4 h 42 min
